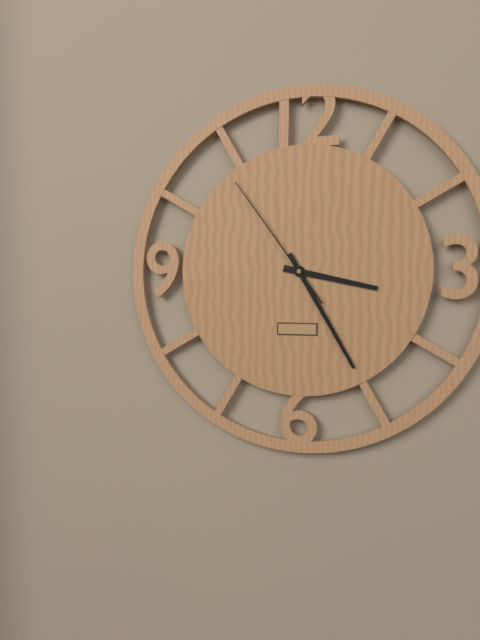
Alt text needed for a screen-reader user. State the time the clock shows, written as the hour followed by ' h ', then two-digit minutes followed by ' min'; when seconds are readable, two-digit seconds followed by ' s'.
3 h 25 min 54 s
